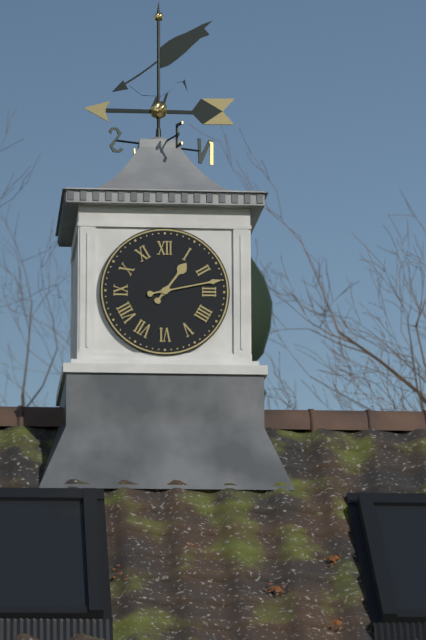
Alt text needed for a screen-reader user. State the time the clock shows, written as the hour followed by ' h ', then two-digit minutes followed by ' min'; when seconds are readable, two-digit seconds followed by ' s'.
1 h 13 min
